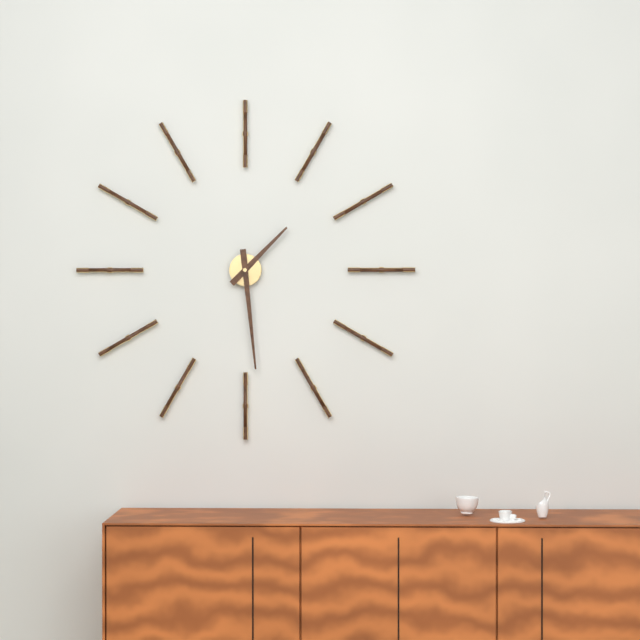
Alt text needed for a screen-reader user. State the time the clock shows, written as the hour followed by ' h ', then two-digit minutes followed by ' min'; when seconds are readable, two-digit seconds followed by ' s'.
1 h 29 min
